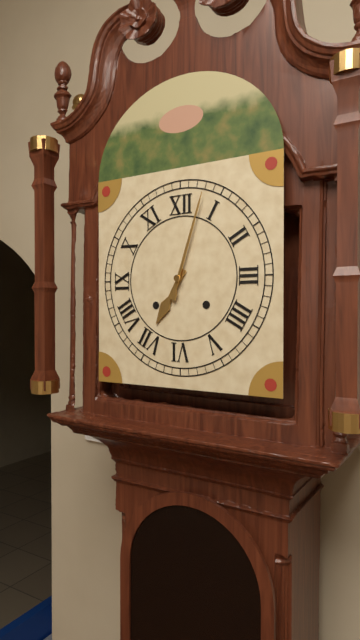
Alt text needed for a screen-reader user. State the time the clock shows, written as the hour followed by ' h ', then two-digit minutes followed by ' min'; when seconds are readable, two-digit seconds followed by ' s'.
7 h 03 min
